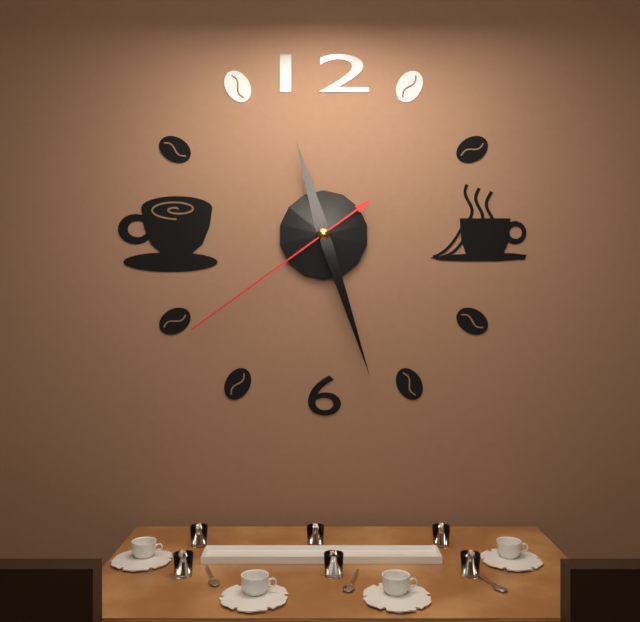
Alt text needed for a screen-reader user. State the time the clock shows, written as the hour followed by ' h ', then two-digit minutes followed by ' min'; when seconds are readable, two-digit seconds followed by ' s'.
11 h 27 min 39 s
